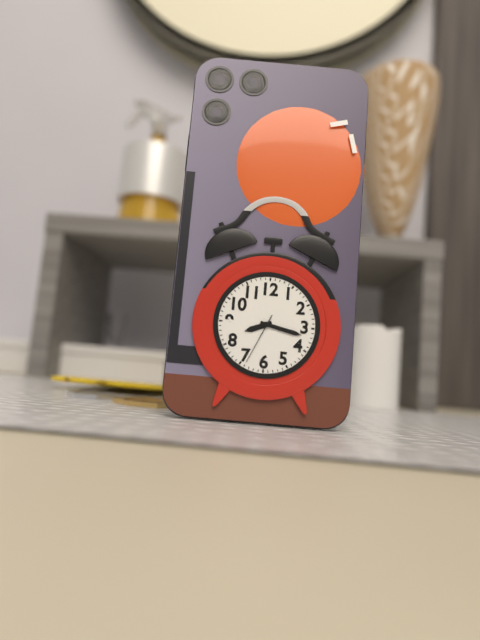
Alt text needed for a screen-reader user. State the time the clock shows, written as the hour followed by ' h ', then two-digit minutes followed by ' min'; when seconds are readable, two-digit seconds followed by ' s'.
8 h 17 min 34 s
